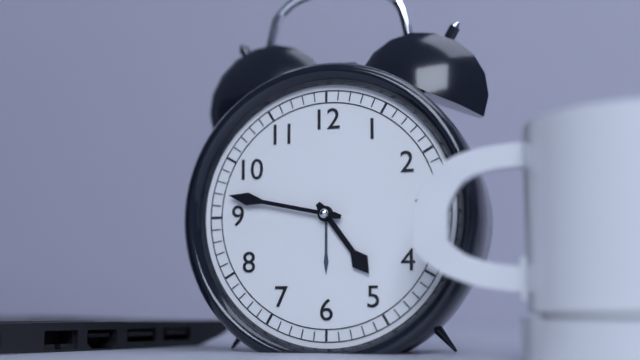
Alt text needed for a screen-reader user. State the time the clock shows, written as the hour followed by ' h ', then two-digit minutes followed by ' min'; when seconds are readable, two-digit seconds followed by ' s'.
4 h 47 min
